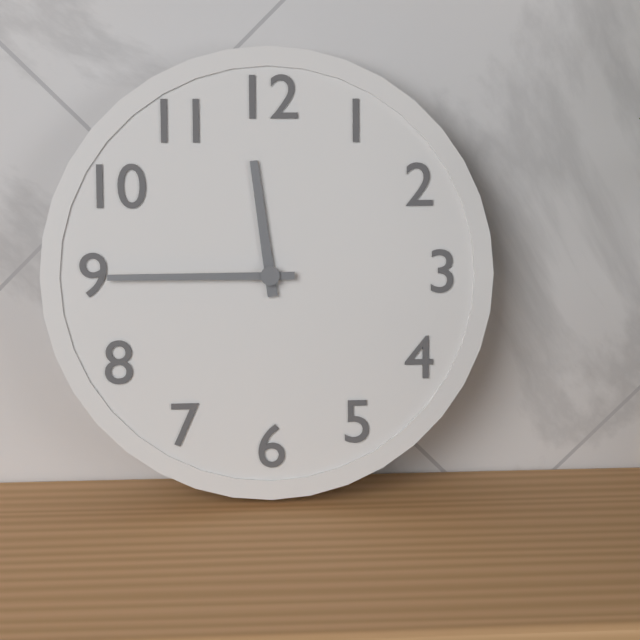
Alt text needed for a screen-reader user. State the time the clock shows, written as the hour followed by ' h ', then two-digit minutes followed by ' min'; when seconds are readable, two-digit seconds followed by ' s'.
11 h 45 min
